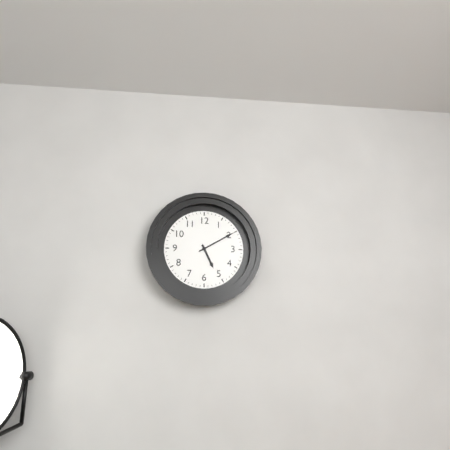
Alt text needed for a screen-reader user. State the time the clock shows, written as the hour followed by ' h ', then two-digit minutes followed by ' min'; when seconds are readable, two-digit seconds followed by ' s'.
5 h 10 min
